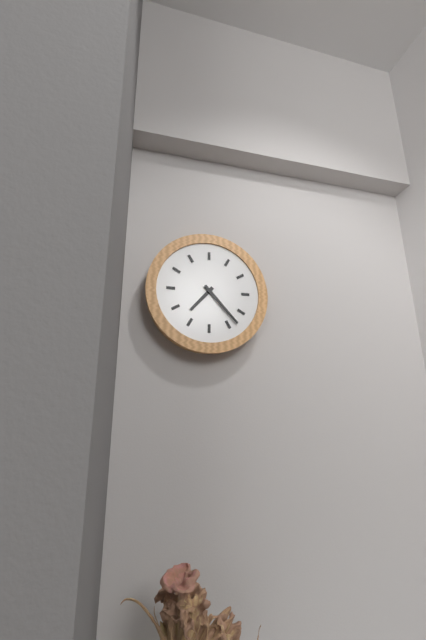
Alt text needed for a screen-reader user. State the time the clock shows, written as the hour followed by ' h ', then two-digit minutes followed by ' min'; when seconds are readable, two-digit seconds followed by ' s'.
7 h 23 min
